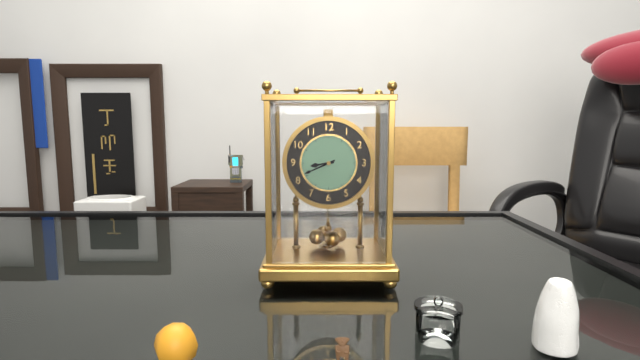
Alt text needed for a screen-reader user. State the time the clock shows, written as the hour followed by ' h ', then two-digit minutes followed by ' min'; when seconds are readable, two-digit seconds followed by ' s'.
8 h 41 min
